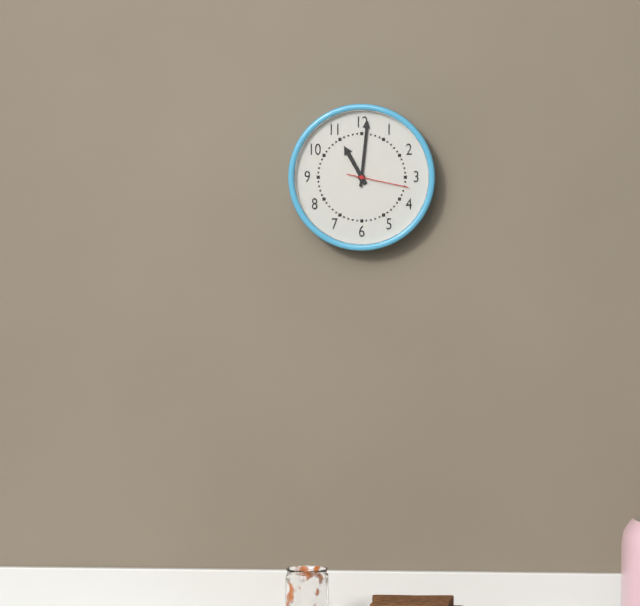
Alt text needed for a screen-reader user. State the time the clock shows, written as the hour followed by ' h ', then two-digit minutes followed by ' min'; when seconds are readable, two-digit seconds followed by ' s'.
11 h 01 min 17 s
